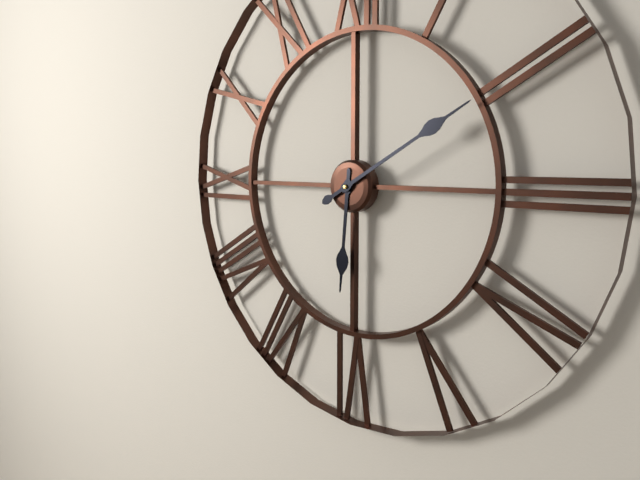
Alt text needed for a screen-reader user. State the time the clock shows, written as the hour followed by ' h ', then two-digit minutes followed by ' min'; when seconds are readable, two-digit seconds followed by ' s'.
6 h 10 min
